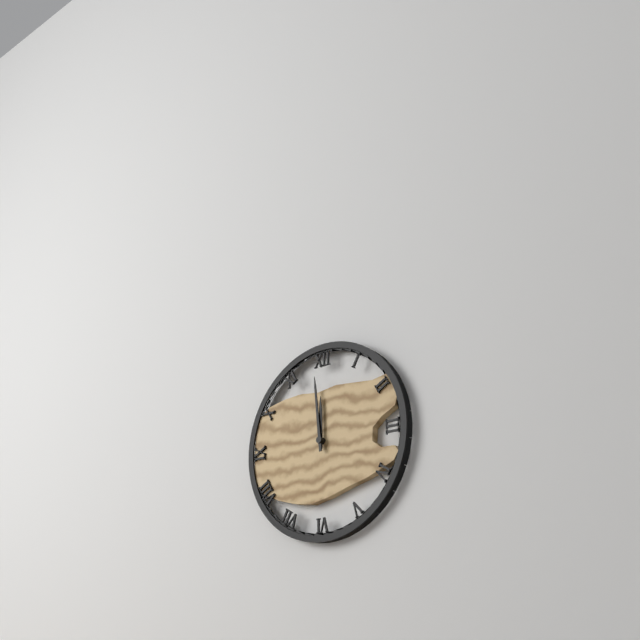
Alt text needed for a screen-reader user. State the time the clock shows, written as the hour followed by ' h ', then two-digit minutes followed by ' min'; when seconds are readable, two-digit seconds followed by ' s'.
11 h 59 min
